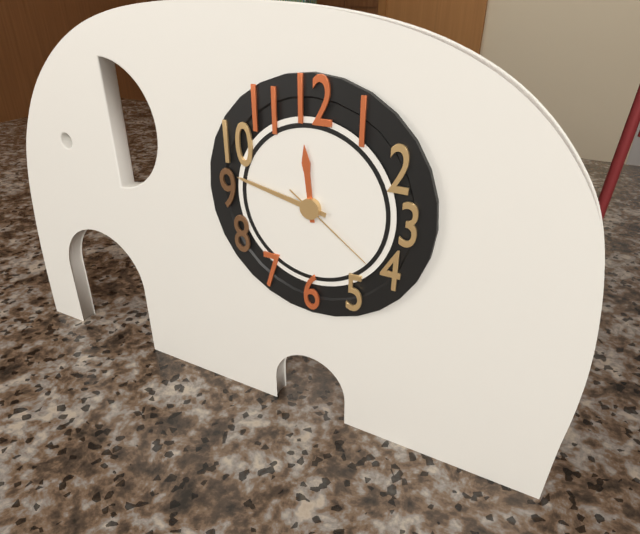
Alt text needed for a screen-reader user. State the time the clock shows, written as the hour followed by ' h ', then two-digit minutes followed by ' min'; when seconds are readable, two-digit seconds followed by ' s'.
11 h 47 min 21 s
